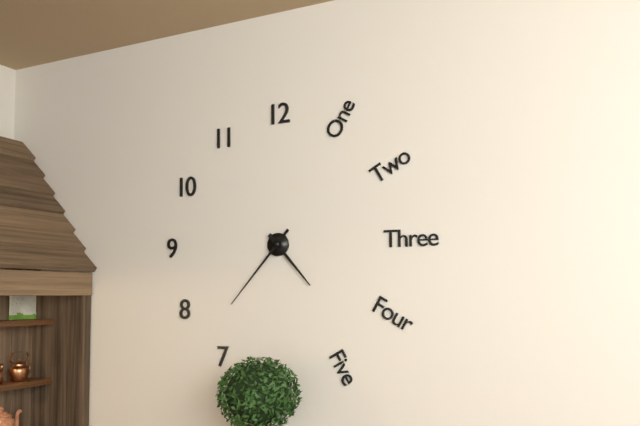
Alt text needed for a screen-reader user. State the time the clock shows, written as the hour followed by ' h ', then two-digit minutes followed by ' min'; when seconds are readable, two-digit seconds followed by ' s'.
4 h 37 min
